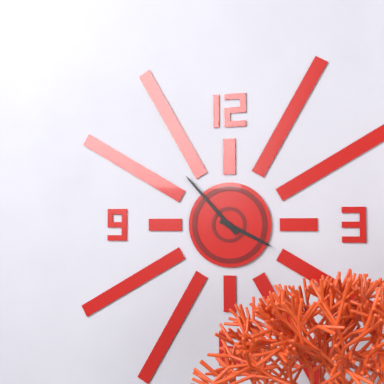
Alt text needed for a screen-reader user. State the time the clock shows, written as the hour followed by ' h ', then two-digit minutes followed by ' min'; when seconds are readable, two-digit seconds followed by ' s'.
3 h 53 min
